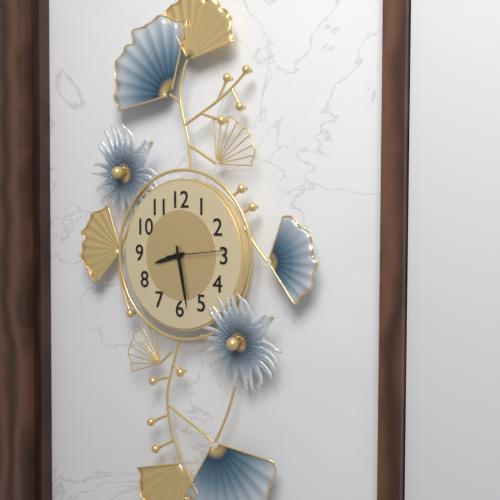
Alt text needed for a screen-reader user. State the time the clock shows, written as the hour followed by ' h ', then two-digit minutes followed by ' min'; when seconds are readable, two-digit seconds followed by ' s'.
8 h 28 min 14 s
